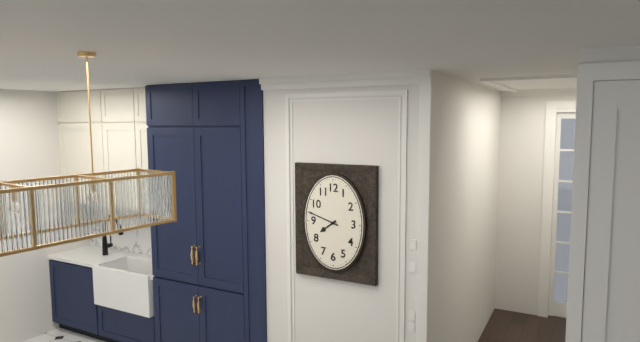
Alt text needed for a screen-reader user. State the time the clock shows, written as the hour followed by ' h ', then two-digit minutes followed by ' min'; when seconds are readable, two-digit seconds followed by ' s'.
7 h 48 min
